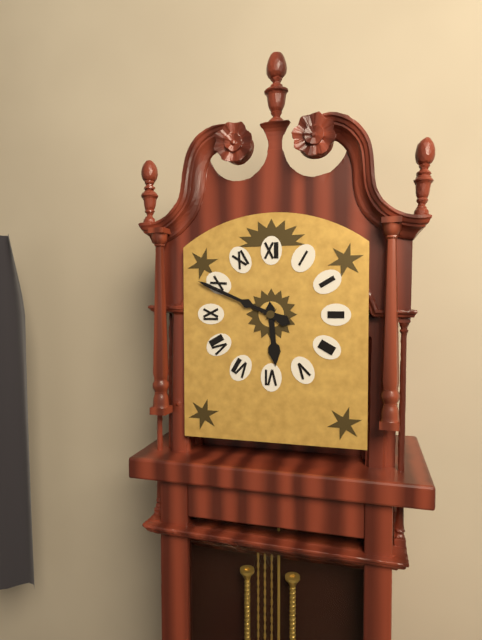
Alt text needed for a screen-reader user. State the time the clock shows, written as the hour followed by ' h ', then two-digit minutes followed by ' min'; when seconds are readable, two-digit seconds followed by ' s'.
5 h 49 min
